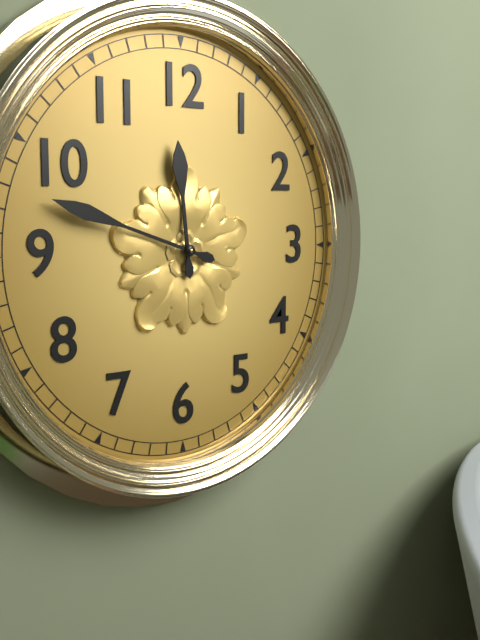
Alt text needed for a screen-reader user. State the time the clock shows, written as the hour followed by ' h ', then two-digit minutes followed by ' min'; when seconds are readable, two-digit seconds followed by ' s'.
11 h 48 min
